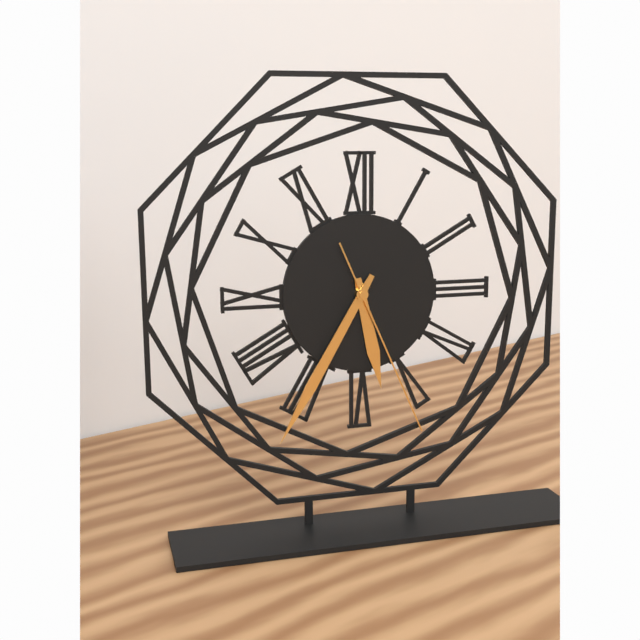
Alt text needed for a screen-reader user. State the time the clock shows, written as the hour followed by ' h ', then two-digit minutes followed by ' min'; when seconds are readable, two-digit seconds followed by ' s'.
5 h 35 min 26 s
